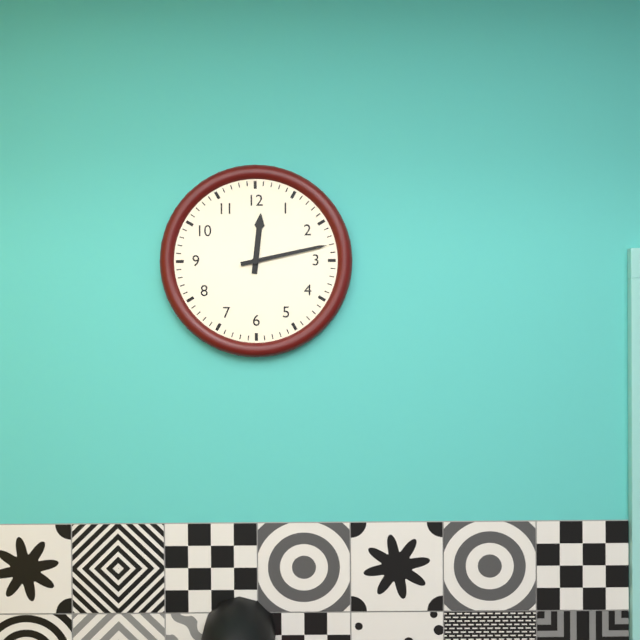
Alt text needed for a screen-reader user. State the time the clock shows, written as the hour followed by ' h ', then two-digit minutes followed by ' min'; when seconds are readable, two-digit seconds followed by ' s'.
12 h 13 min
